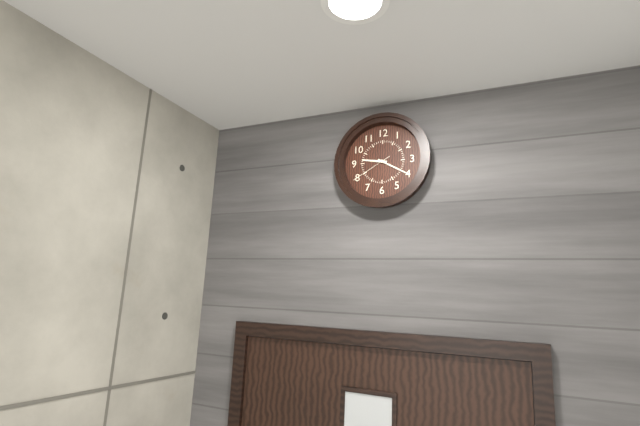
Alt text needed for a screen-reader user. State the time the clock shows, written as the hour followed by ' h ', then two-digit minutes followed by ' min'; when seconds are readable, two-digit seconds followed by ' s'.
9 h 20 min
